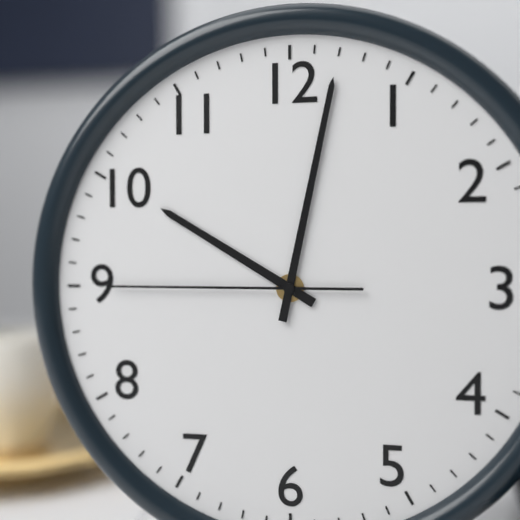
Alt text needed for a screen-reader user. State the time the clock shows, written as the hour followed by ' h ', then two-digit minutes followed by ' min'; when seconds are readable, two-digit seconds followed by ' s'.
10 h 02 min 45 s
